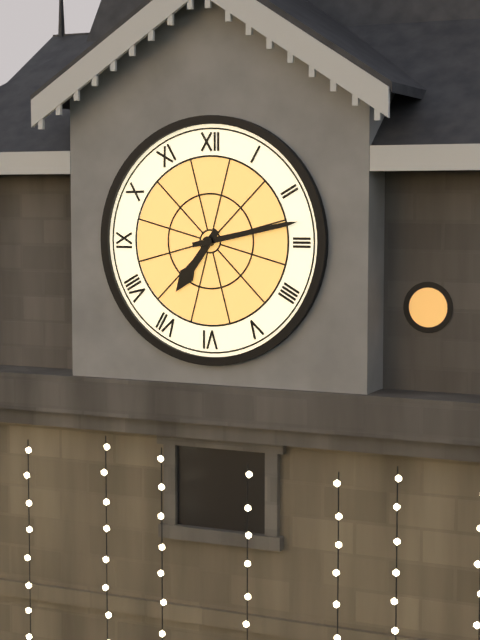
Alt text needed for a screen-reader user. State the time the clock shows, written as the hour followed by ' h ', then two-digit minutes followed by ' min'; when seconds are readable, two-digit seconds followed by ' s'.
7 h 13 min
